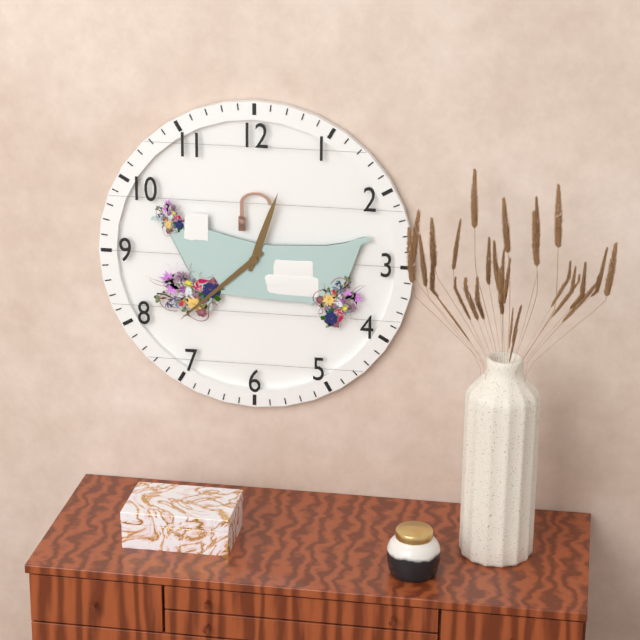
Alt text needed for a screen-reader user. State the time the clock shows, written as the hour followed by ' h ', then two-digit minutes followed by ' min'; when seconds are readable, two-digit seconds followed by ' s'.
12 h 38 min
